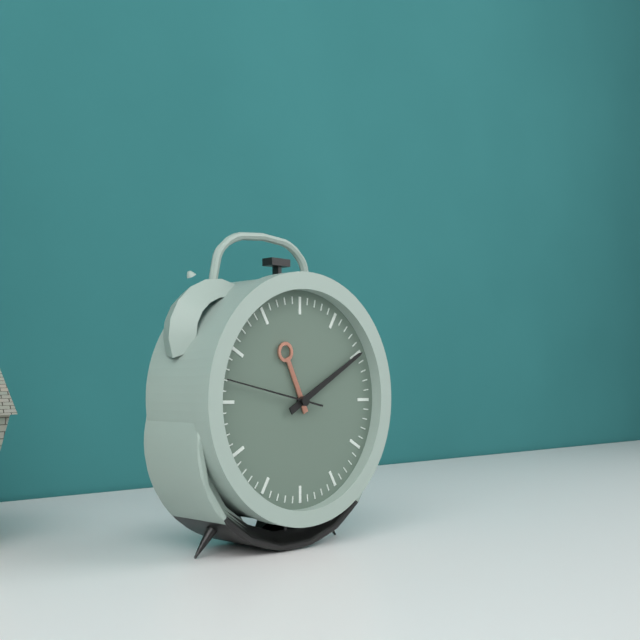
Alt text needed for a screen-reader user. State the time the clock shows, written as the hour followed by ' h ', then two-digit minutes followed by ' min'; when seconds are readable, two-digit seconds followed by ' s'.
11 h 10 min 47 s
